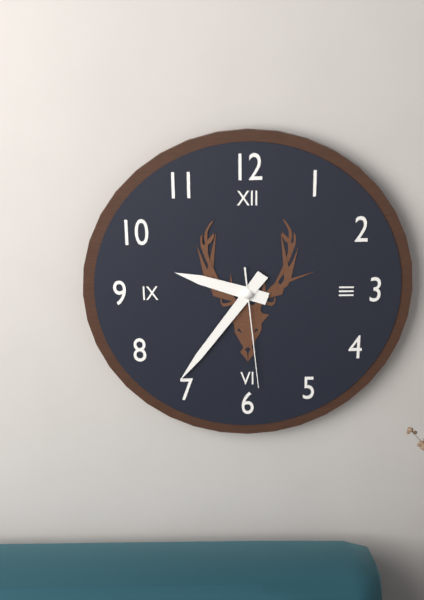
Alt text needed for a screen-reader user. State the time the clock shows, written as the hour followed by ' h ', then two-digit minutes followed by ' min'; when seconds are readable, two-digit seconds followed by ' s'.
9 h 36 min 29 s
